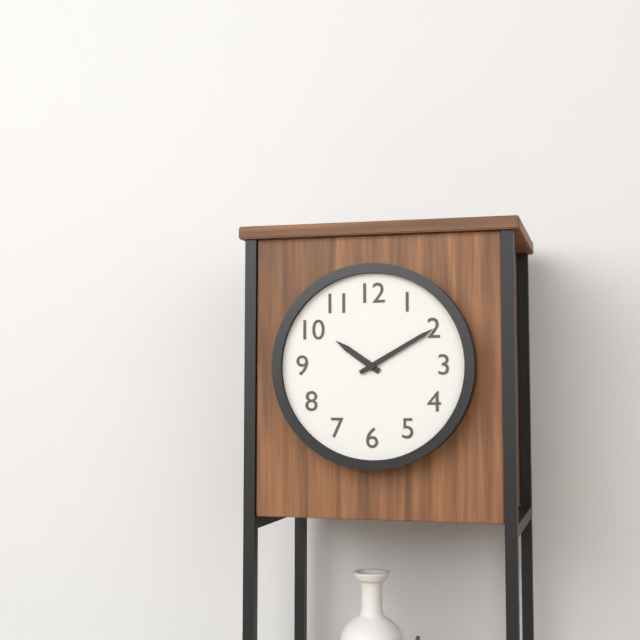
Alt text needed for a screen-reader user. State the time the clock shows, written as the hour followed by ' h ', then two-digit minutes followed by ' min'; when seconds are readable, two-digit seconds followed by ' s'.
10 h 10 min
